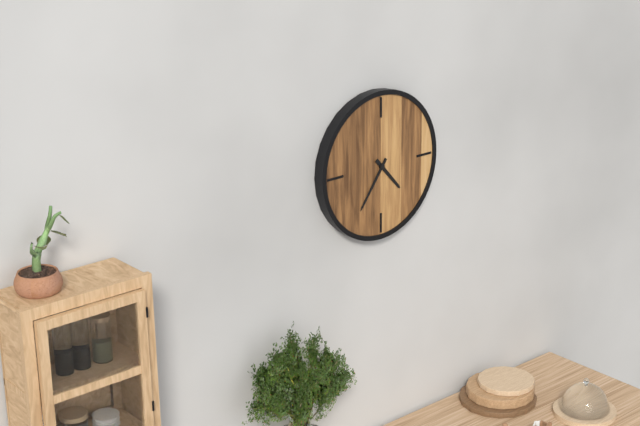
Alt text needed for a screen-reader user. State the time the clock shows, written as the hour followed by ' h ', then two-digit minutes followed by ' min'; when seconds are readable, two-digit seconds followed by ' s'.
4 h 36 min
